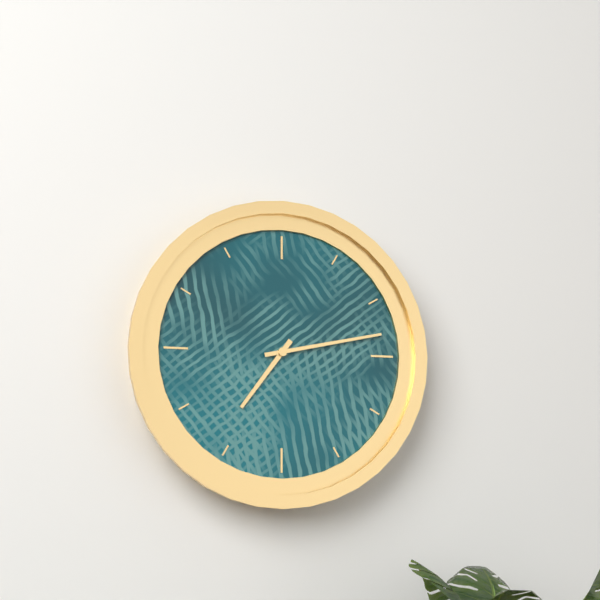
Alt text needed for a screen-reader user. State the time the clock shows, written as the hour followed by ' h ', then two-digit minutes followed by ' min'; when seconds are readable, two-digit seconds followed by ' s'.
7 h 13 min
